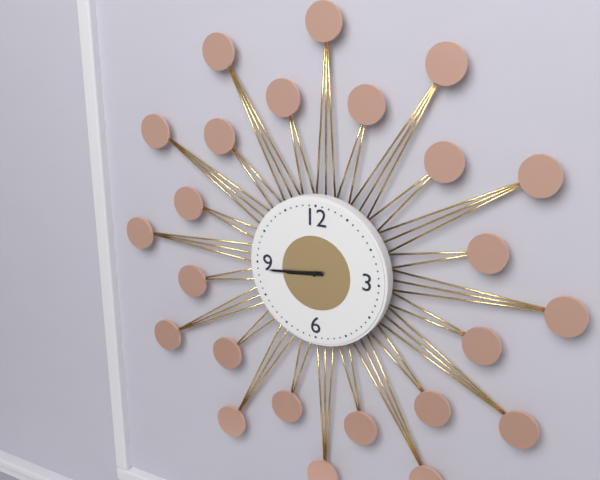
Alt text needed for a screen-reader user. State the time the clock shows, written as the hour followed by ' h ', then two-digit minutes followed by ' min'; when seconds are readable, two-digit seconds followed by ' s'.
8 h 44 min
